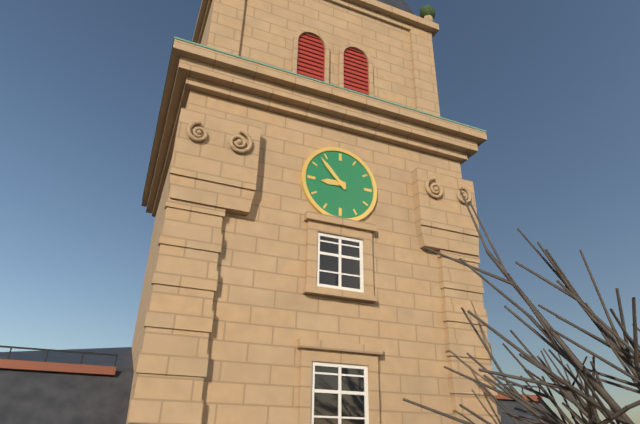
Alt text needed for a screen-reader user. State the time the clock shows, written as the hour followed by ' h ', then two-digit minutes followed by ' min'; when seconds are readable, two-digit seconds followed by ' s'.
8 h 53 min
